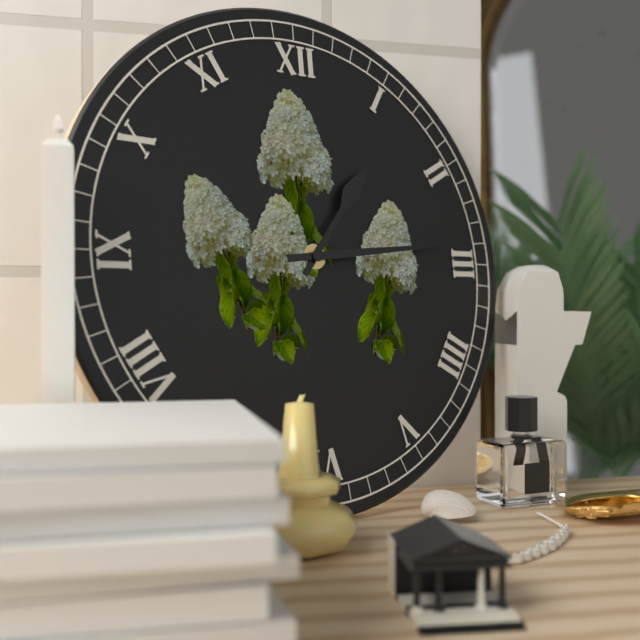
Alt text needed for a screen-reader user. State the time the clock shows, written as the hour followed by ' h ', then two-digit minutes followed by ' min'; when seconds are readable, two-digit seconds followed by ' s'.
1 h 14 min
